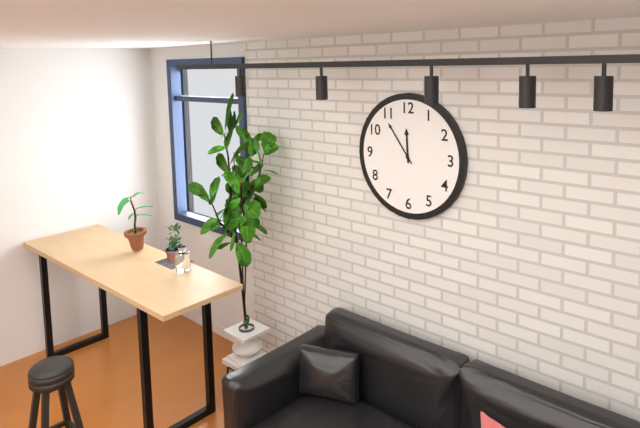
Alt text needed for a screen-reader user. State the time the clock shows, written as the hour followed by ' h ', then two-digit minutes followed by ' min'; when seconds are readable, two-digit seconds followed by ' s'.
11 h 54 min
